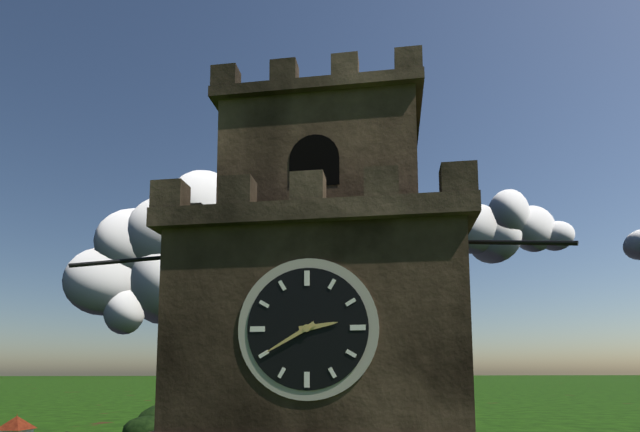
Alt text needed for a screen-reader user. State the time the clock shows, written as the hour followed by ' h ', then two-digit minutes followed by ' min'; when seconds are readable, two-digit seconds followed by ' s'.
2 h 40 min
